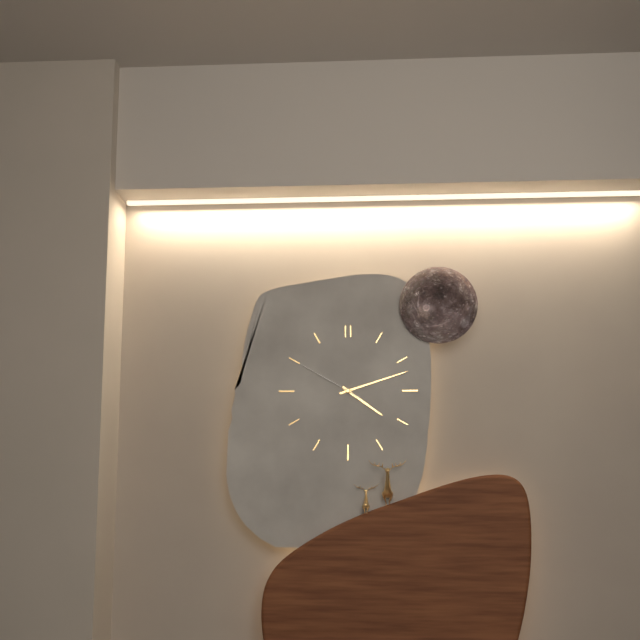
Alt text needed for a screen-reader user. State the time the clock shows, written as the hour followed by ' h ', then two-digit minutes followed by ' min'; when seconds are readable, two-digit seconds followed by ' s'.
4 h 12 min 50 s
